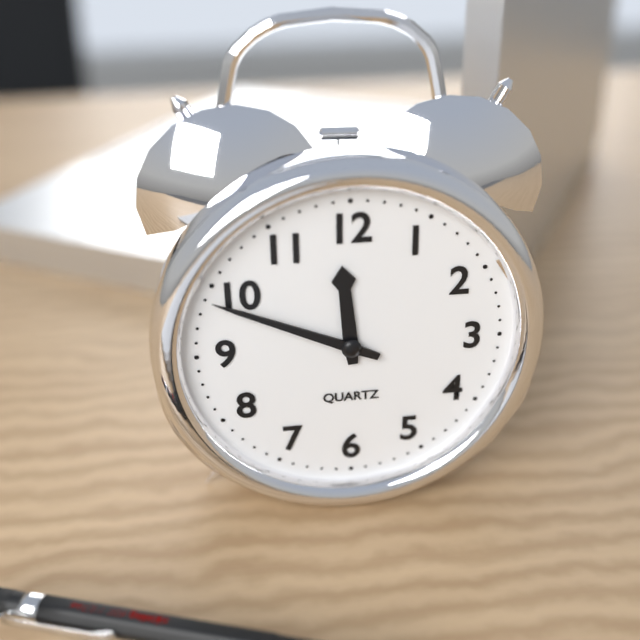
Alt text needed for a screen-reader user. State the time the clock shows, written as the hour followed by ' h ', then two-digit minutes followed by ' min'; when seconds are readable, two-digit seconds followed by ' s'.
11 h 49 min
